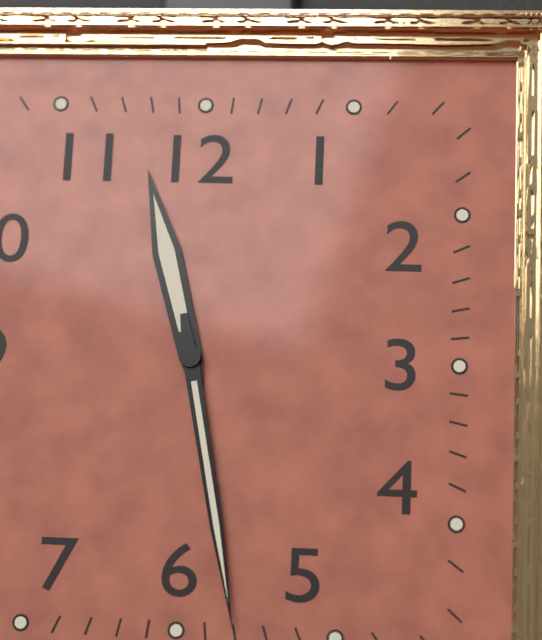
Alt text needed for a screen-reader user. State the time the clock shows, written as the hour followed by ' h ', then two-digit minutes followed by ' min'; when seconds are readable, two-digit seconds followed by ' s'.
11 h 28 min
